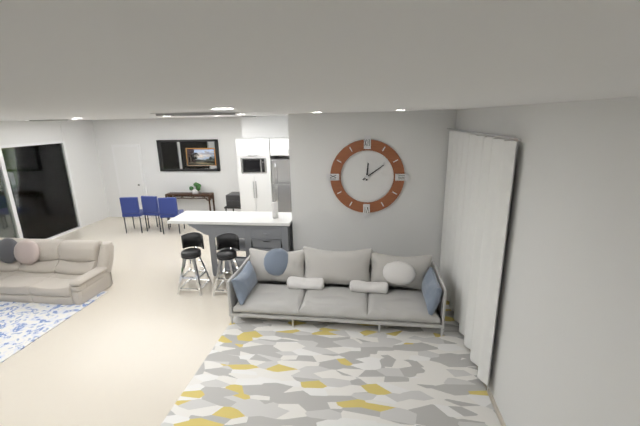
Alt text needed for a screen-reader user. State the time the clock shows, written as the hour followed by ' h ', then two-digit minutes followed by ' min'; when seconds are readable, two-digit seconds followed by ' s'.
12 h 09 min
